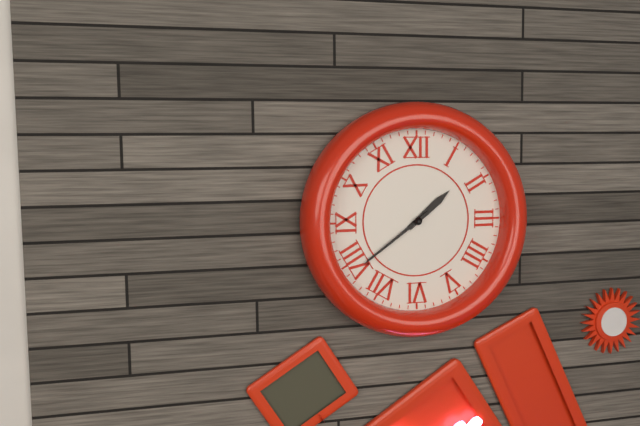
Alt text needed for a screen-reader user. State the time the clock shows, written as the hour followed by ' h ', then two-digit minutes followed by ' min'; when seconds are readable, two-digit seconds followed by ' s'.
1 h 39 min
